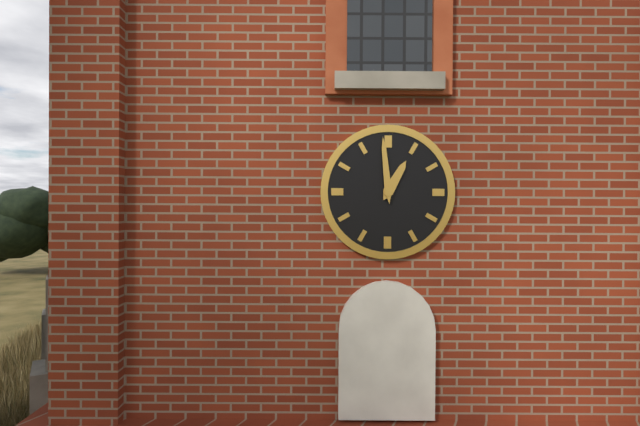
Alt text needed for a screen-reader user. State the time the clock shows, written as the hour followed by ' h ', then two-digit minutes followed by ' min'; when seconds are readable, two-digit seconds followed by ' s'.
12 h 59 min
